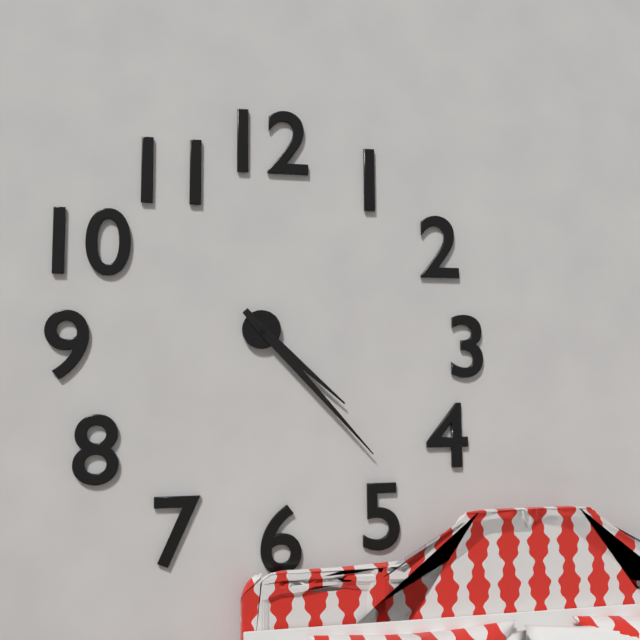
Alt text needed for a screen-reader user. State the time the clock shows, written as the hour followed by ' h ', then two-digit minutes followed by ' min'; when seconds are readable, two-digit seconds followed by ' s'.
4 h 23 min
